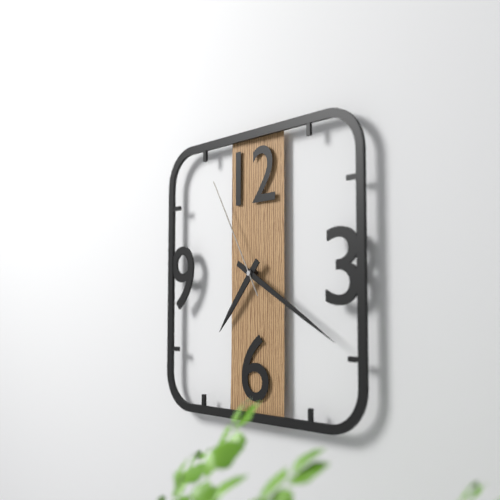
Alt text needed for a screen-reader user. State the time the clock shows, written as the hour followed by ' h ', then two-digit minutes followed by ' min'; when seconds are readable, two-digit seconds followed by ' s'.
7 h 20 min 55 s
